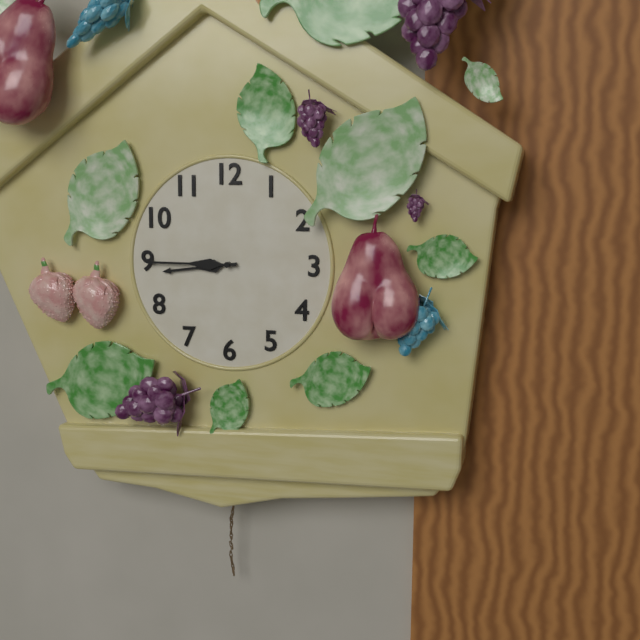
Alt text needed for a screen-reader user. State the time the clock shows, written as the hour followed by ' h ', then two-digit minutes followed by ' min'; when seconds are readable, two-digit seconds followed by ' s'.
8 h 45 min
